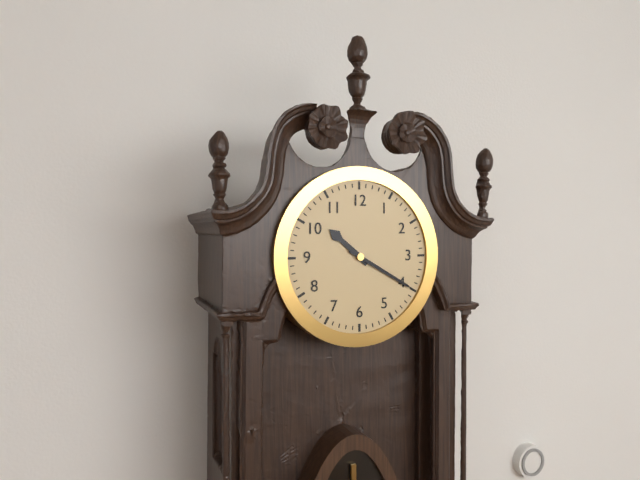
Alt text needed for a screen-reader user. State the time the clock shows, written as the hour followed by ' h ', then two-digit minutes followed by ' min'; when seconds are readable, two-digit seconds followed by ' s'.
10 h 20 min
